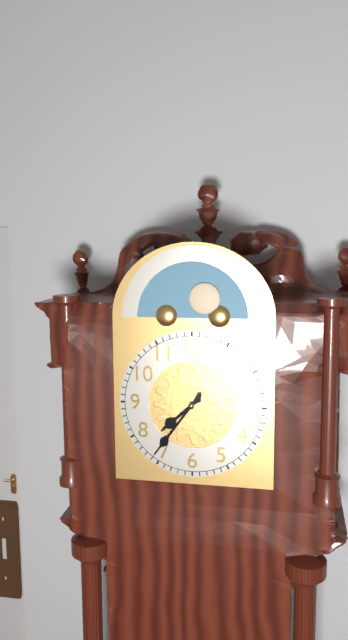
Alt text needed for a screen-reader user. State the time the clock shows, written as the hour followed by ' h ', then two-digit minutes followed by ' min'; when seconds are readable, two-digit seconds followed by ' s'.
7 h 36 min
